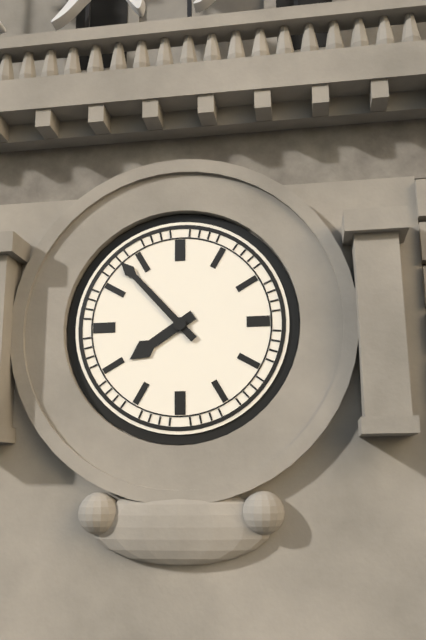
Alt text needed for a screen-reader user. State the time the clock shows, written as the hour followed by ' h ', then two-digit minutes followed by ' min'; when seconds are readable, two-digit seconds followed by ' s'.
7 h 53 min
